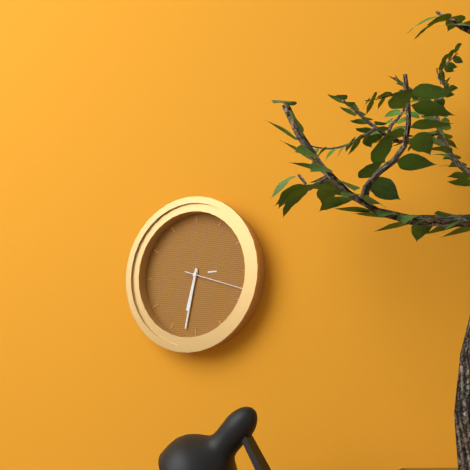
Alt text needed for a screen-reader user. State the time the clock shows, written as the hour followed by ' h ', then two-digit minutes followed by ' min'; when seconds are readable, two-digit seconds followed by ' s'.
6 h 32 min 18 s
